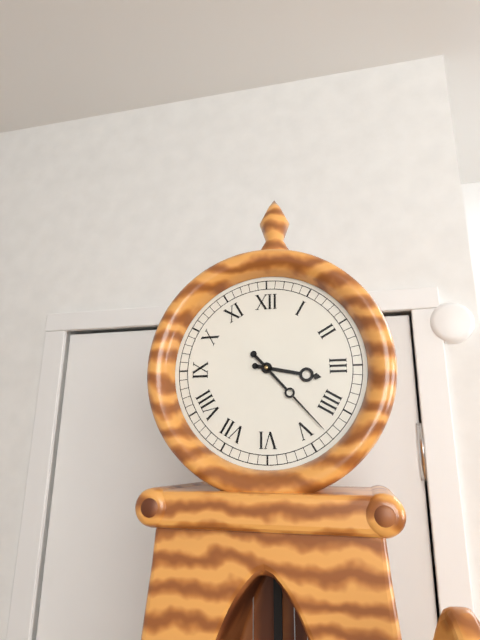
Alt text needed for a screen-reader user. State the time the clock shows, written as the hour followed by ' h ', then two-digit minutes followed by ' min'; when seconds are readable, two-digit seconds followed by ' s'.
3 h 23 min
